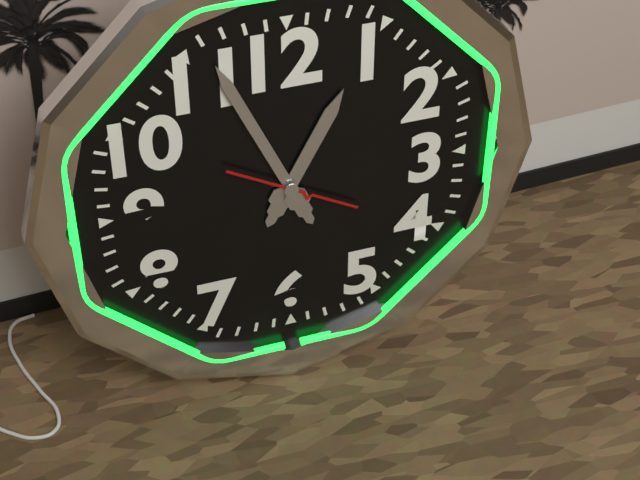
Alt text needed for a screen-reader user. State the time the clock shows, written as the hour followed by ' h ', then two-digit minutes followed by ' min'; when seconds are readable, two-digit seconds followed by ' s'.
12 h 56 min 20 s
